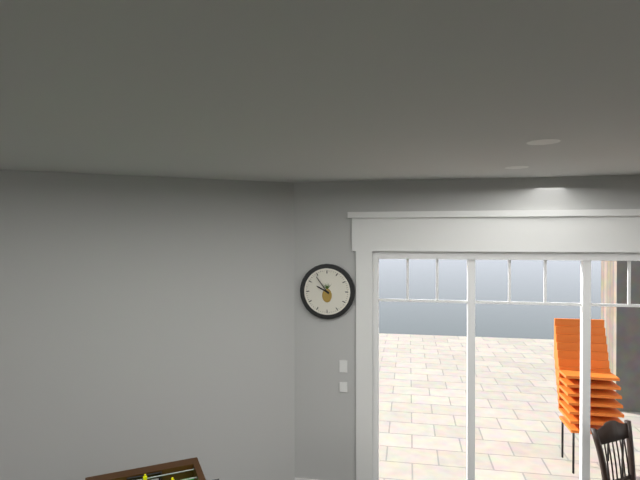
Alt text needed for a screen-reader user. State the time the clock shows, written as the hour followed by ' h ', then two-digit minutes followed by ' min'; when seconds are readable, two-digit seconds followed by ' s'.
9 h 54 min
